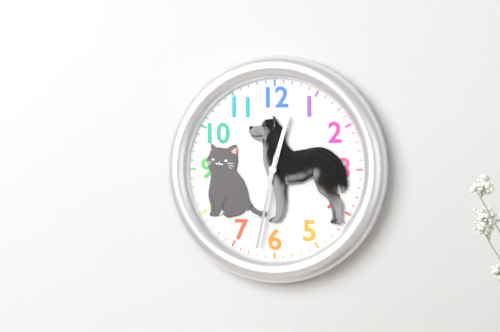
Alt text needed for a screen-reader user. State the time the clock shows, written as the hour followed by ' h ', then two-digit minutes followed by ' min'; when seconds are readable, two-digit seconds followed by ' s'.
12 h 32 min
